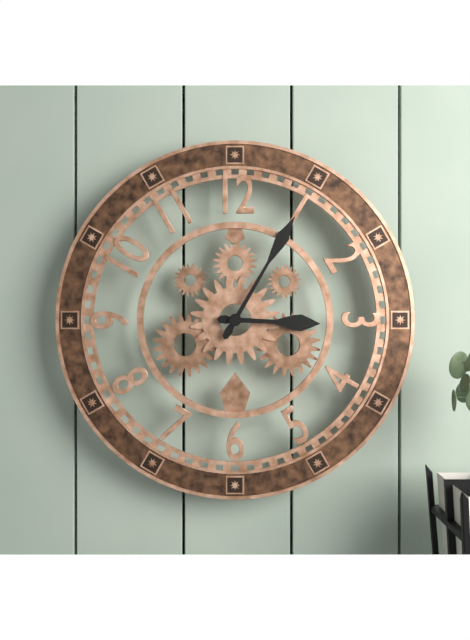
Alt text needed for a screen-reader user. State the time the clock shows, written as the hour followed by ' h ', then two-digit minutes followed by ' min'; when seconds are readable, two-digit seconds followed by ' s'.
3 h 05 min
